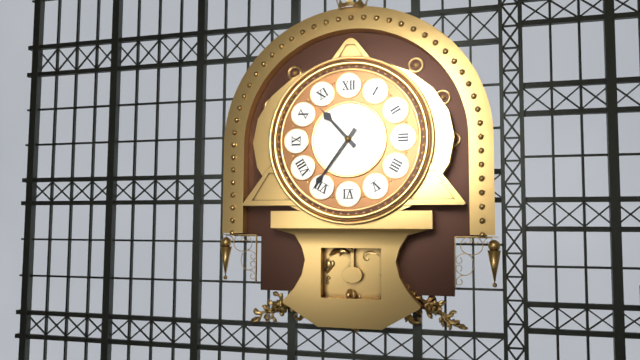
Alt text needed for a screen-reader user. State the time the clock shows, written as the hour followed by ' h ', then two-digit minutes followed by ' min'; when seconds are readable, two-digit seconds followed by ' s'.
10 h 36 min
